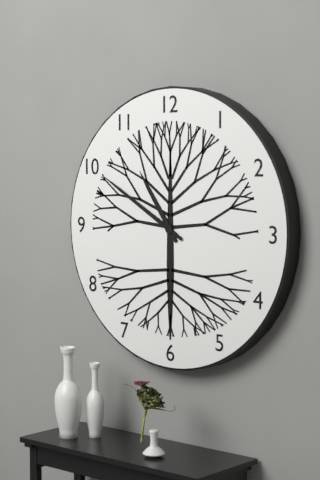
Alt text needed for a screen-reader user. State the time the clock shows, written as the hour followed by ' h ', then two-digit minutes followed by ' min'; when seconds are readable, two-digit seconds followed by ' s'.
10 h 50 min
